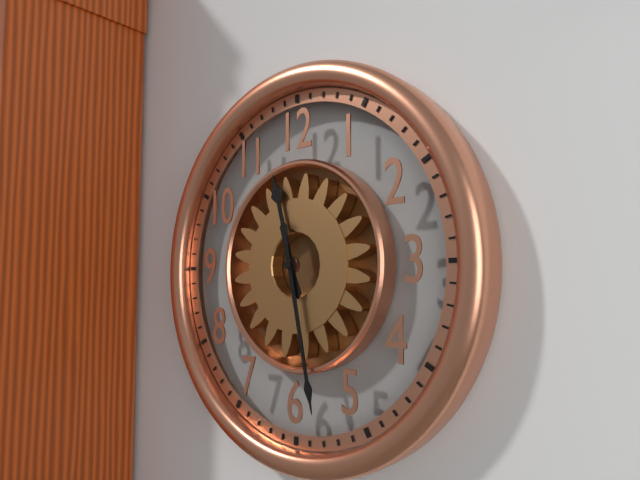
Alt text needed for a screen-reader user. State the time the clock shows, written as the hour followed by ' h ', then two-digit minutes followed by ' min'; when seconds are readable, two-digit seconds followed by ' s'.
11 h 28 min
